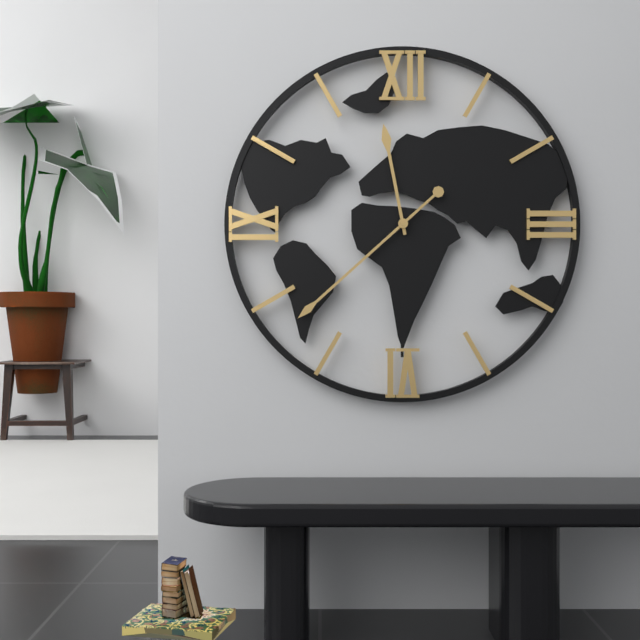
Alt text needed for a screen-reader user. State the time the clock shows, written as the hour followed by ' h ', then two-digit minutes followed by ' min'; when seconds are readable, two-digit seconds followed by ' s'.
11 h 38 min
